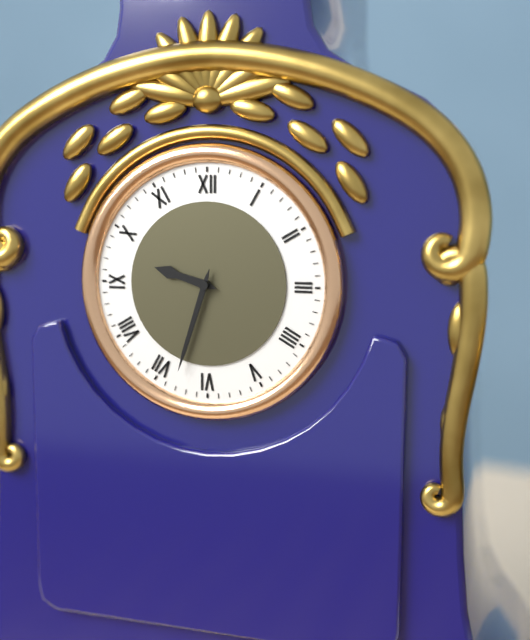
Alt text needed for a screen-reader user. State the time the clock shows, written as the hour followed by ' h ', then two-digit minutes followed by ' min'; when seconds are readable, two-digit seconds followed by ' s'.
9 h 33 min
